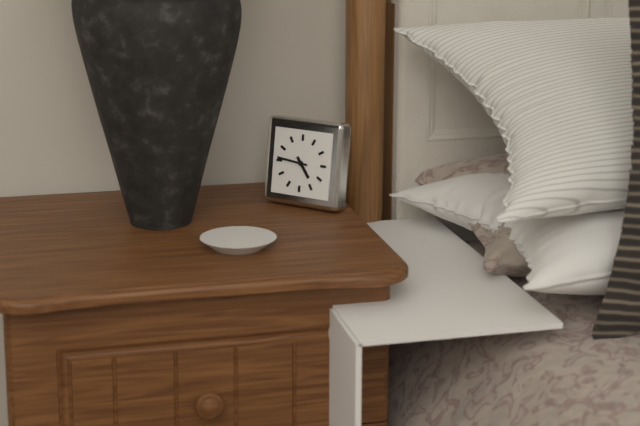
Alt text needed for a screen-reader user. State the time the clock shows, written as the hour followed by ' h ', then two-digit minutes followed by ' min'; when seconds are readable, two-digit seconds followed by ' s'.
4 h 46 min
